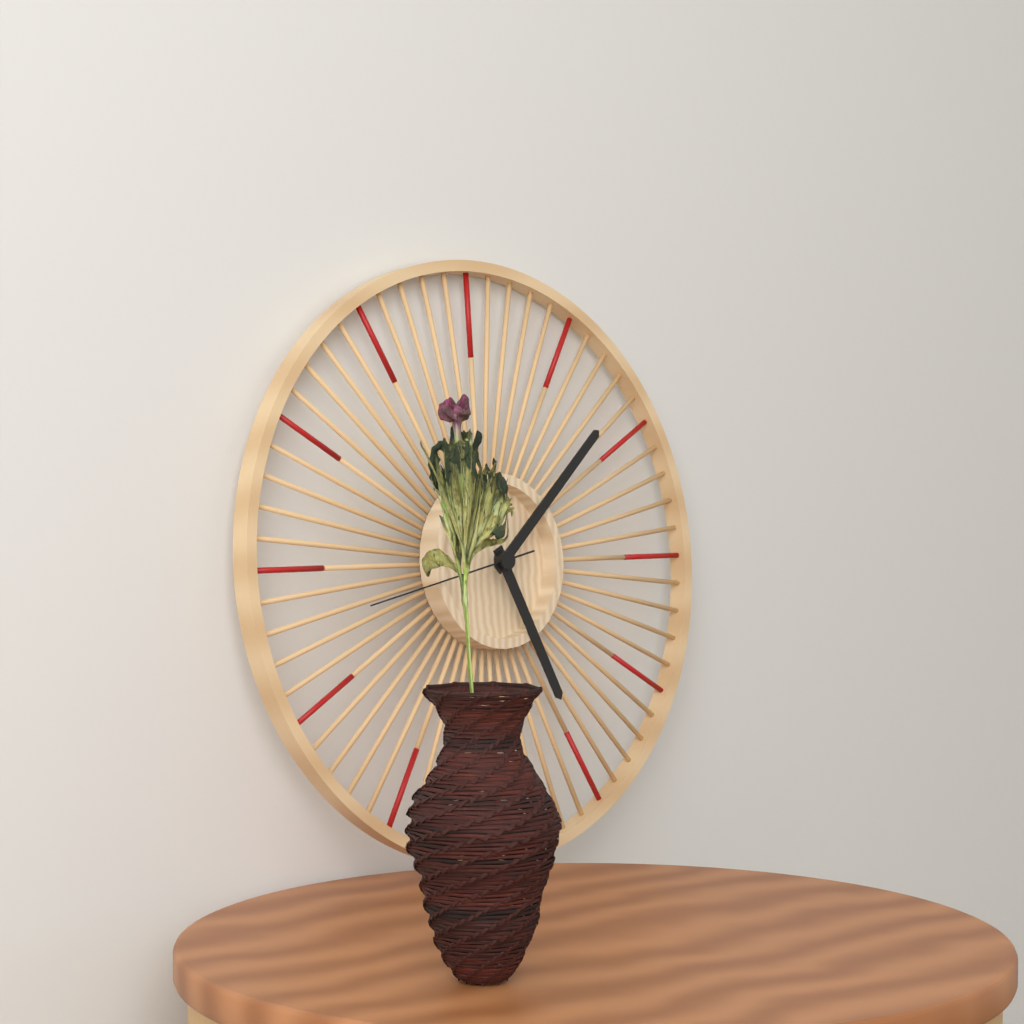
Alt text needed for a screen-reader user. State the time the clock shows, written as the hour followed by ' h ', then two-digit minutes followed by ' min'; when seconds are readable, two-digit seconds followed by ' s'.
5 h 08 min 43 s
